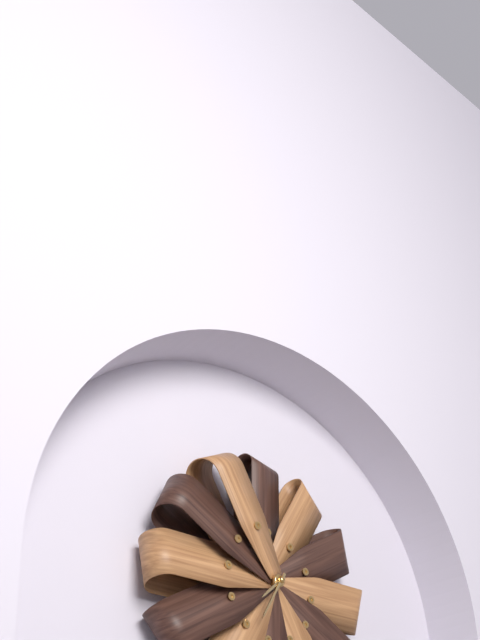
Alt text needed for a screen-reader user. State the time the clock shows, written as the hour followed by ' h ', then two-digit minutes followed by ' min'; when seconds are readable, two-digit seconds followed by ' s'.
7 h 35 min
